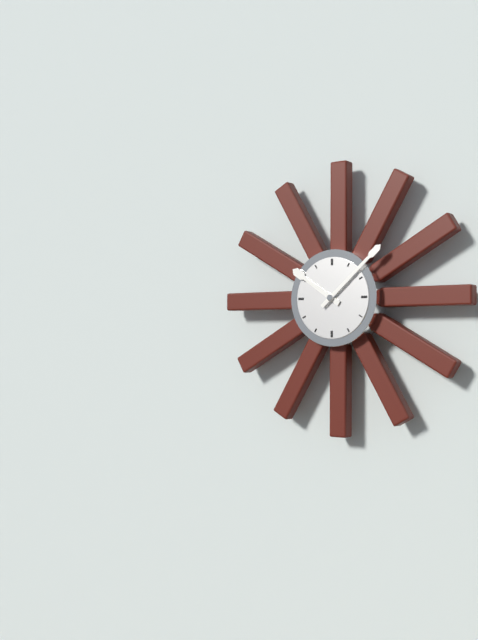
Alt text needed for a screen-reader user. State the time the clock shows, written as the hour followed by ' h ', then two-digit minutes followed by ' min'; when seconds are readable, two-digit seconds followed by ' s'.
10 h 08 min
